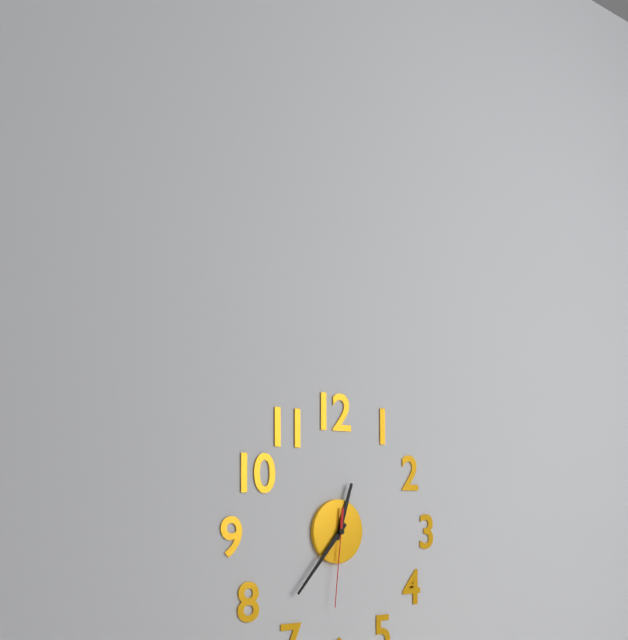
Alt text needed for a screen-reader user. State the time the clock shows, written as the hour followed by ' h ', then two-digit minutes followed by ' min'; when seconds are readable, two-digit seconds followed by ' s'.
12 h 37 min 31 s
